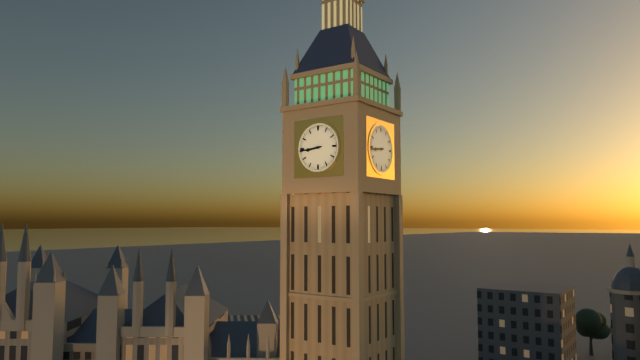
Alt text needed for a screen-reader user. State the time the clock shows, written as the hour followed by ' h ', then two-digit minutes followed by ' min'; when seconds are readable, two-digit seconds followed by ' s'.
8 h 44 min
